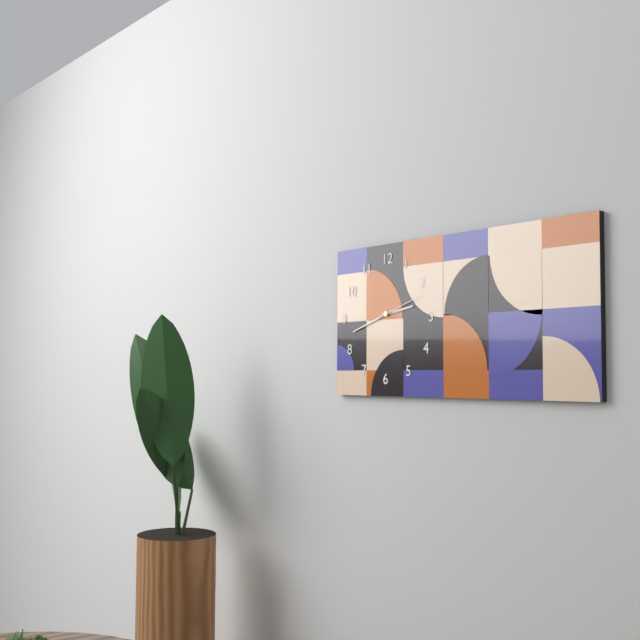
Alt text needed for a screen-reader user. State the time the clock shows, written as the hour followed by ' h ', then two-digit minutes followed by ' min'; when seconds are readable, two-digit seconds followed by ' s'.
2 h 42 min
